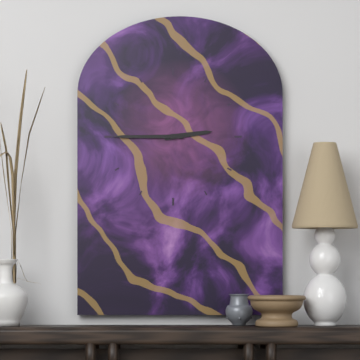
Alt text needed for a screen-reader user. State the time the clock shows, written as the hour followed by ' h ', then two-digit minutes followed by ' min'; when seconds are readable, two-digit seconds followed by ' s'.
2 h 45 min
